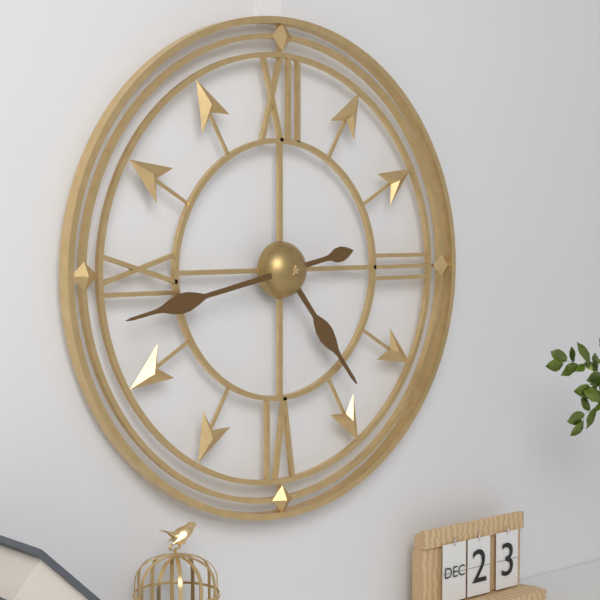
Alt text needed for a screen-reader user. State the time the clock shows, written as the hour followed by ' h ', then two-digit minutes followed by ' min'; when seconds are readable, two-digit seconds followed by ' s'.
4 h 43 min
